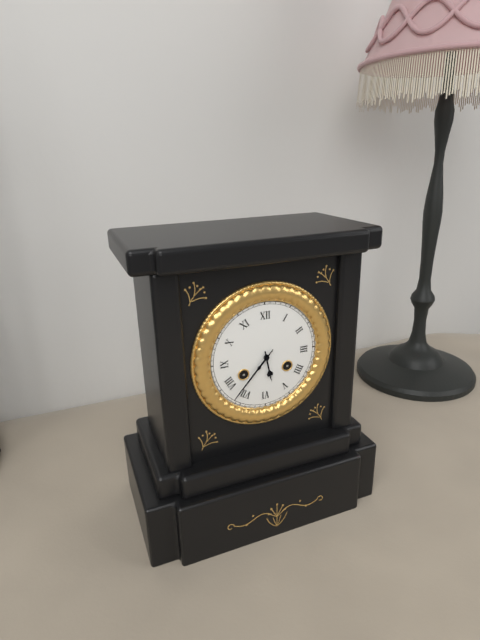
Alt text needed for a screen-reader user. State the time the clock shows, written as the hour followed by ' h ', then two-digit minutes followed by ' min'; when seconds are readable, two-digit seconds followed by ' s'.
5 h 37 min
